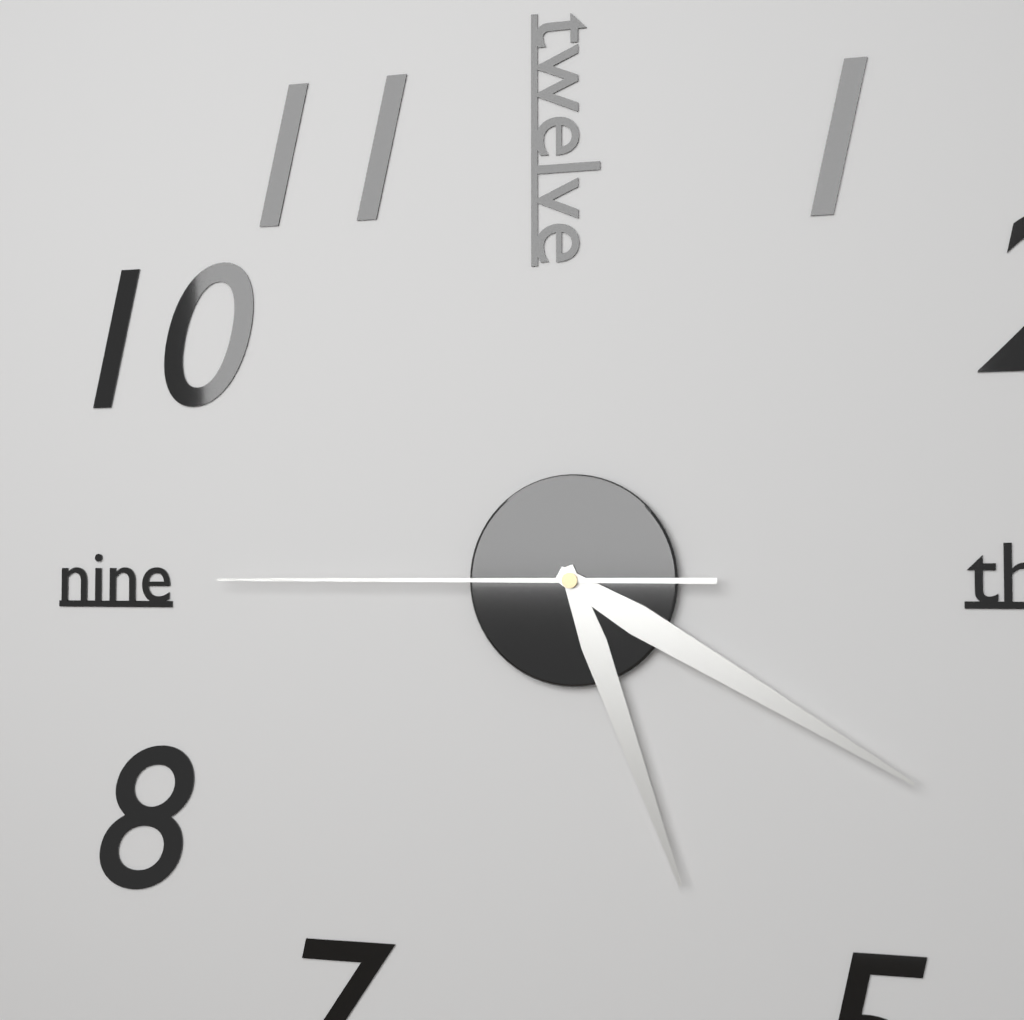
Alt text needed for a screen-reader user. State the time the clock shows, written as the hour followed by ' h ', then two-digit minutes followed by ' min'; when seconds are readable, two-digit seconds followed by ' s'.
5 h 20 min 45 s
